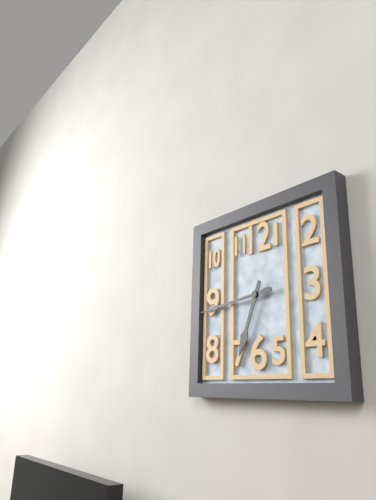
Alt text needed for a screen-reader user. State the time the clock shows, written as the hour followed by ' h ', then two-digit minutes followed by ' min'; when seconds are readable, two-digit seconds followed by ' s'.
6 h 44 min
